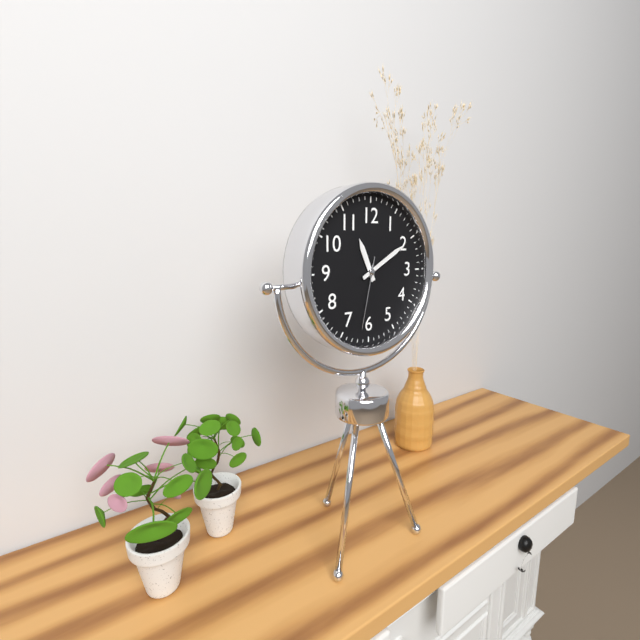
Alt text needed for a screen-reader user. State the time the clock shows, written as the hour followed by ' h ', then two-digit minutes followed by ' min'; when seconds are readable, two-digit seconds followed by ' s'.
11 h 10 min 32 s
